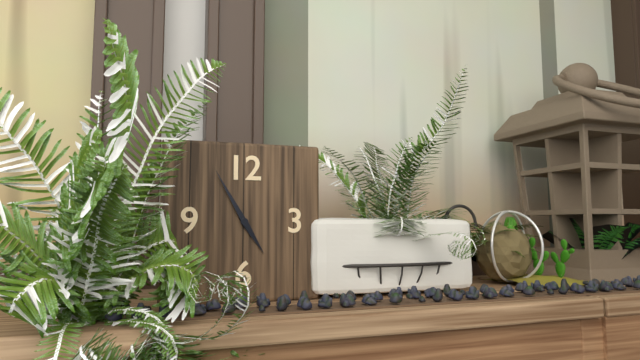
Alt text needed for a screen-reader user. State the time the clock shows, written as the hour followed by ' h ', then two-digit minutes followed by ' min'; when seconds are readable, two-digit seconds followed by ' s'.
4 h 55 min
